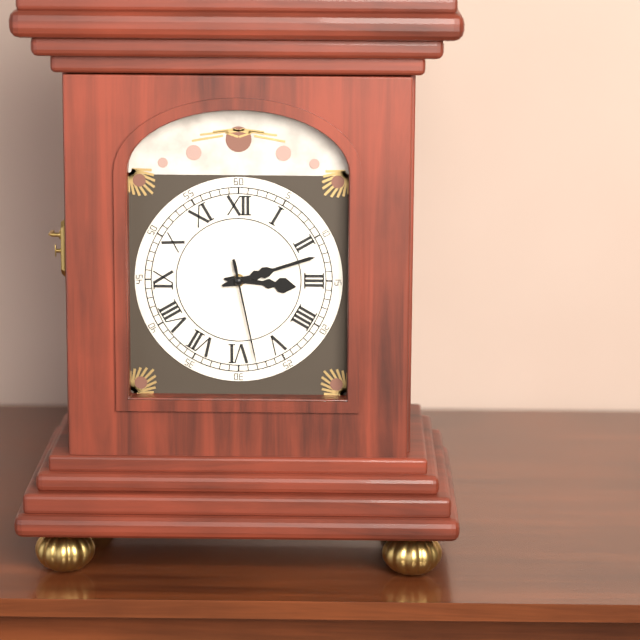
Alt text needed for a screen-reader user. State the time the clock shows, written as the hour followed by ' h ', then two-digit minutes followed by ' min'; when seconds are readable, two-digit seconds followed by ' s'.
3 h 12 min 28 s
